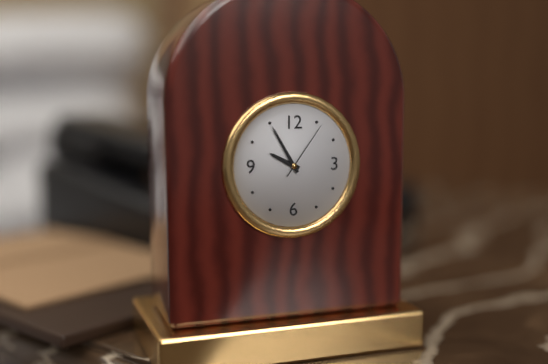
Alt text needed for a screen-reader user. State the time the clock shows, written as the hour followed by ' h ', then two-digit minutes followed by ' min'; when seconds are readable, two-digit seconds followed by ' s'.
9 h 55 min 06 s
